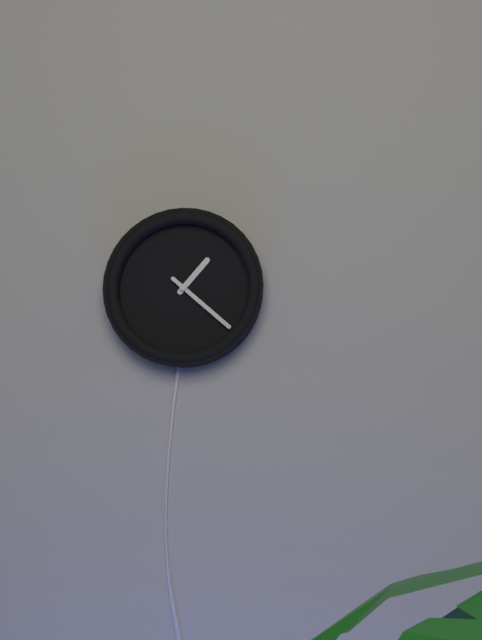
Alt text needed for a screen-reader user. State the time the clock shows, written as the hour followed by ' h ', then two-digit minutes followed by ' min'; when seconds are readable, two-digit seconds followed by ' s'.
1 h 22 min
